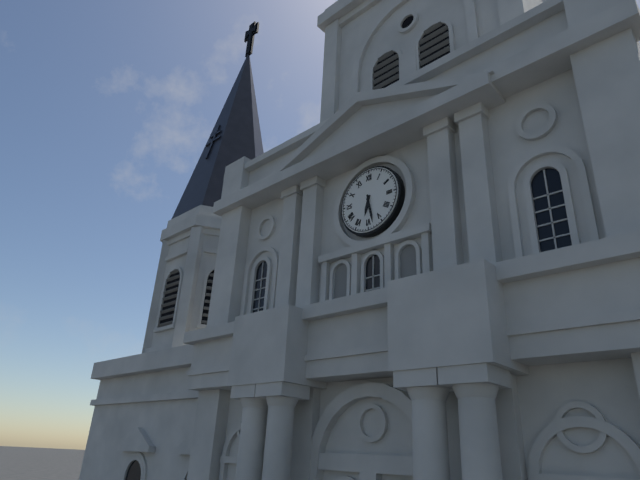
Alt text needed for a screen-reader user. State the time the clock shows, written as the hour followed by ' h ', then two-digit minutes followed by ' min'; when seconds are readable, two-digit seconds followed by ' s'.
6 h 28 min
